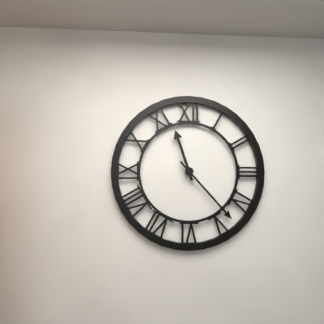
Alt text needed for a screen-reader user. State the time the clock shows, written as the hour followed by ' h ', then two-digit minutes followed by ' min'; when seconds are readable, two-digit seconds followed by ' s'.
11 h 23 min
